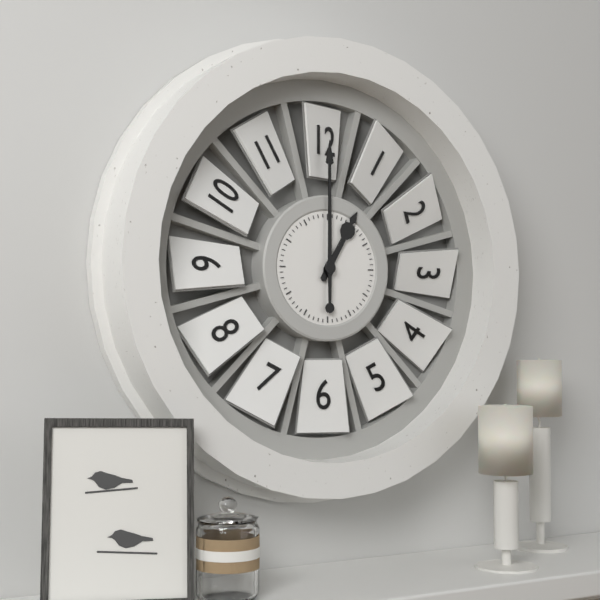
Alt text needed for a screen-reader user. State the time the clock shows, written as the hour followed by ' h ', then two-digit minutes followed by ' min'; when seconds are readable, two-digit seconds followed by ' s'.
1 h 00 min
